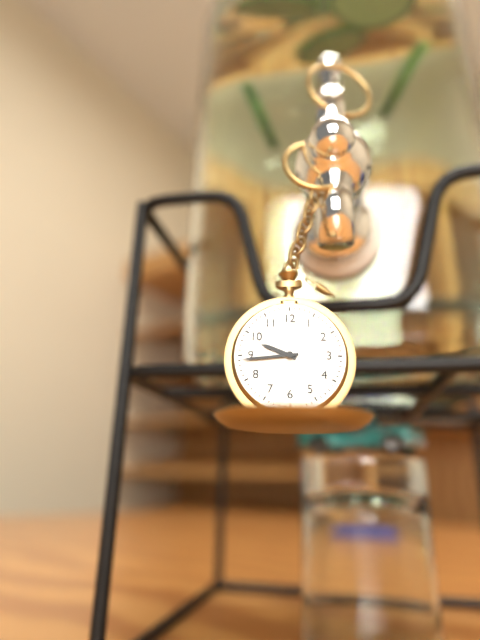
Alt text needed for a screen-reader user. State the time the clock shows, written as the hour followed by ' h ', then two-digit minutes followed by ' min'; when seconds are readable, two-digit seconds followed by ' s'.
9 h 44 min
